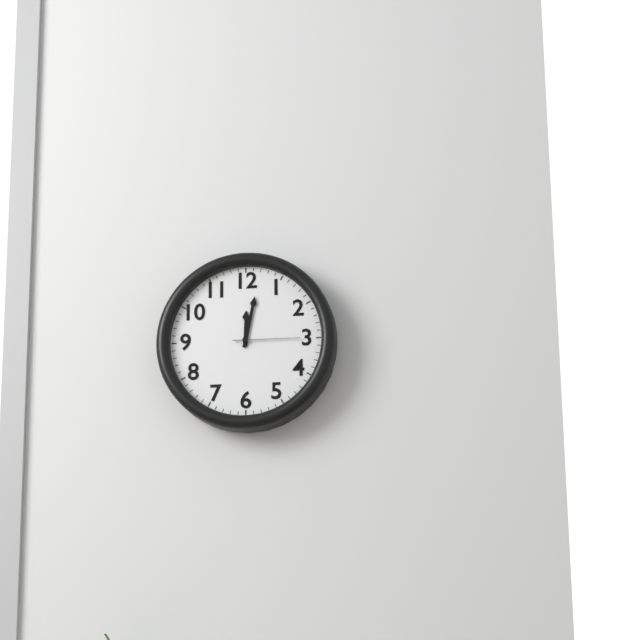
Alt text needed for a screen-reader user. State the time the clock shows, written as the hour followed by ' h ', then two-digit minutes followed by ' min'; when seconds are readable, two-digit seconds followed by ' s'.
12 h 02 min 15 s
